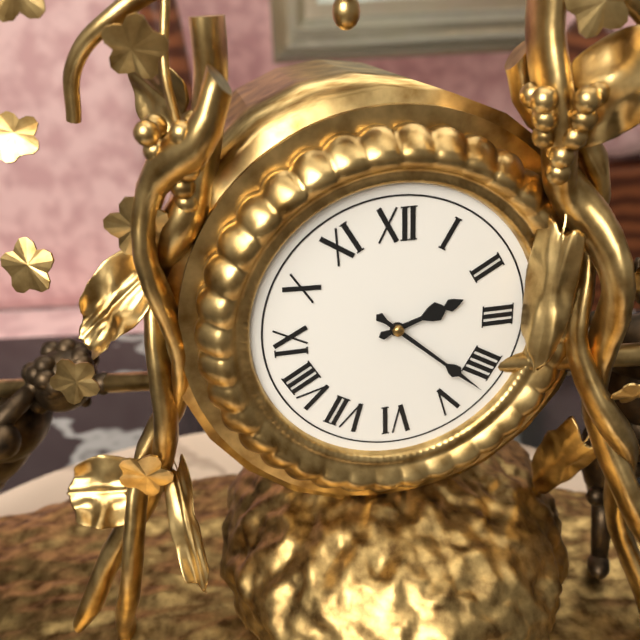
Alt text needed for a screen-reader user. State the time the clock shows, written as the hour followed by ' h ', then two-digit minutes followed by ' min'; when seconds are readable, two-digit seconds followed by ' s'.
2 h 22 min
